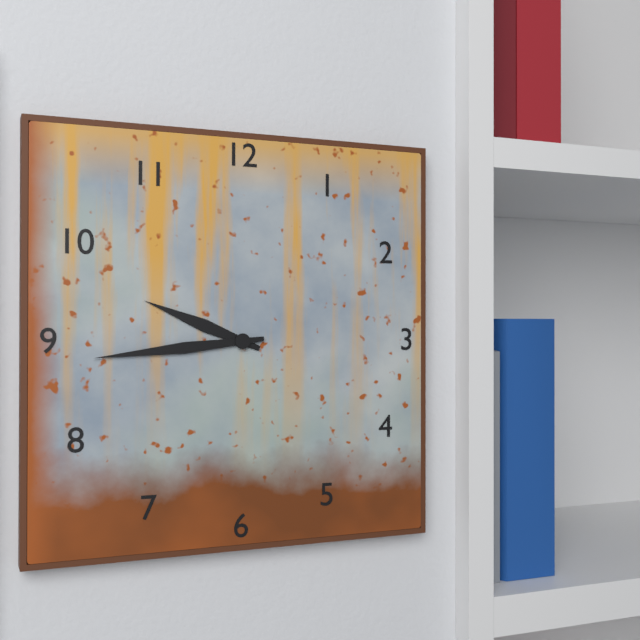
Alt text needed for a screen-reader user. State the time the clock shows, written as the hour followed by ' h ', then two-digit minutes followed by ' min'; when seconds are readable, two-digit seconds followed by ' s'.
9 h 44 min
